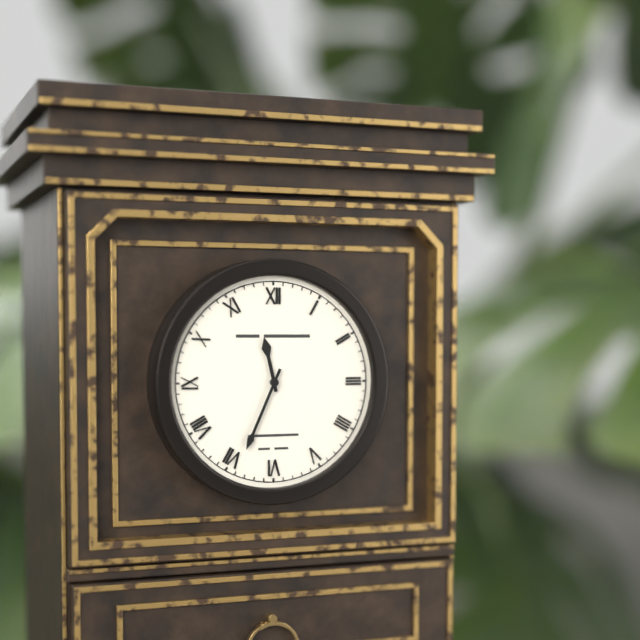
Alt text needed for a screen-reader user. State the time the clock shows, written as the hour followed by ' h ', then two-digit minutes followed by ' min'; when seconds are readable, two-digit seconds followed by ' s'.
11 h 34 min
